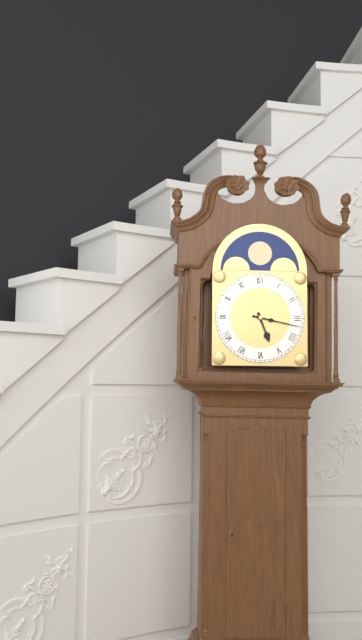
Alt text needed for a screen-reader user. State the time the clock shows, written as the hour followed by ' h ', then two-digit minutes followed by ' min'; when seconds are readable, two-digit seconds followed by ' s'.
5 h 17 min
